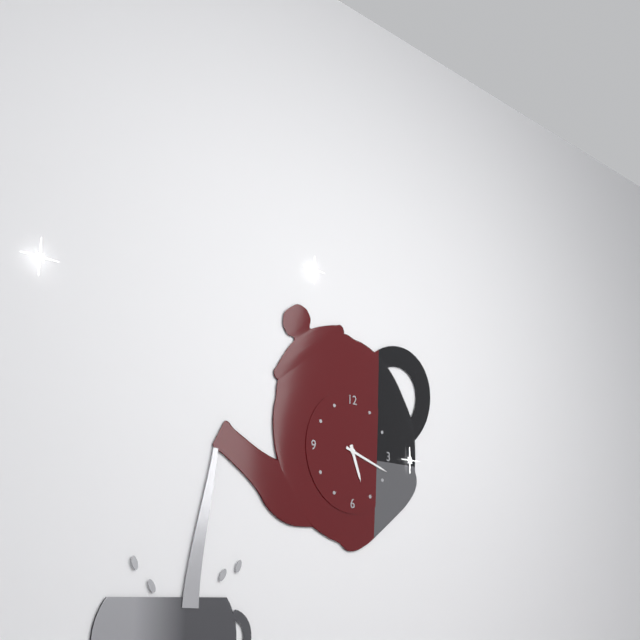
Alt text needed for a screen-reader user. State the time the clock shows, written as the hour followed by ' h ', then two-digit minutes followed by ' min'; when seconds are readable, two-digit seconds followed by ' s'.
5 h 18 min
